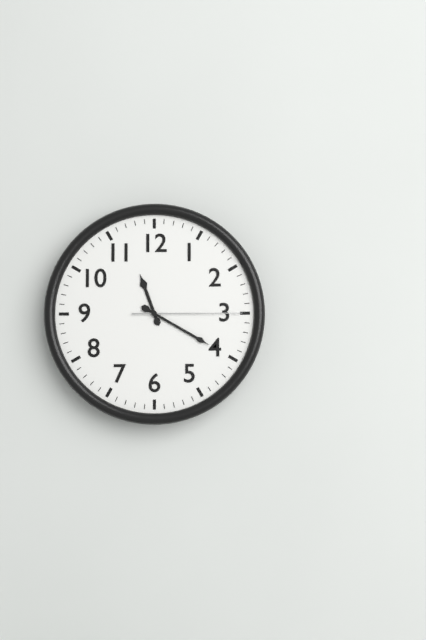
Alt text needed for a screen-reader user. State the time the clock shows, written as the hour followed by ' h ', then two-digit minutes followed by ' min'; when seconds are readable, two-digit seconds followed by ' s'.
11 h 20 min 15 s
